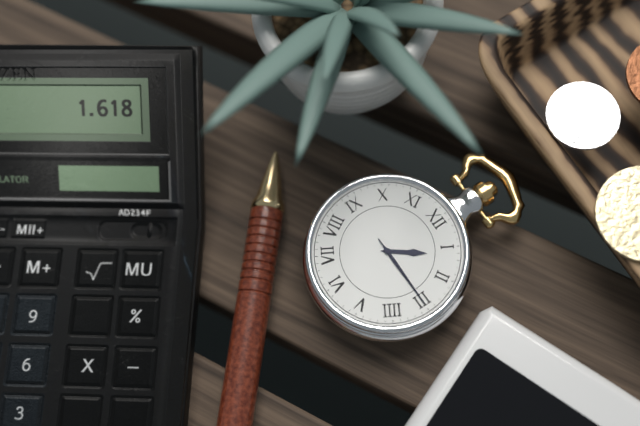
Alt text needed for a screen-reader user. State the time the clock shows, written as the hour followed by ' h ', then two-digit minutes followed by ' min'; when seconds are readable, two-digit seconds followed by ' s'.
1 h 15 min 15 s
